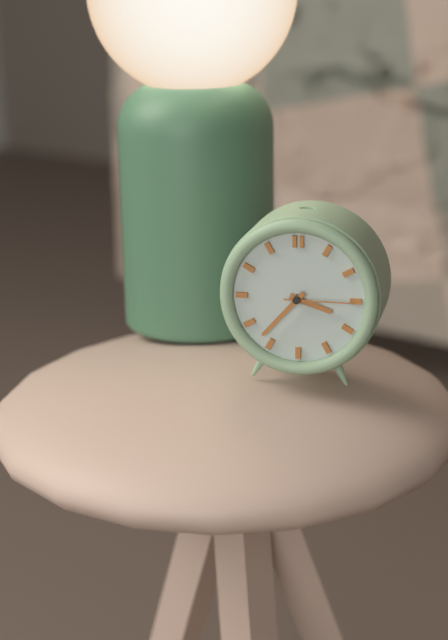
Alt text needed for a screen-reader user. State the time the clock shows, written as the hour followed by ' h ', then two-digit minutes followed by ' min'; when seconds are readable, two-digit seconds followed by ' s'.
3 h 37 min 15 s
